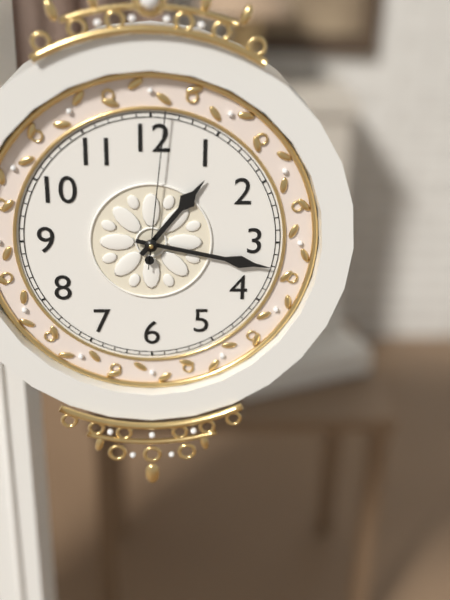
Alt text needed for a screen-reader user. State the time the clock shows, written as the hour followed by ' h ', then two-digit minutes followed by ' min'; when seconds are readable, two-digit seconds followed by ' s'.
1 h 17 min 01 s
